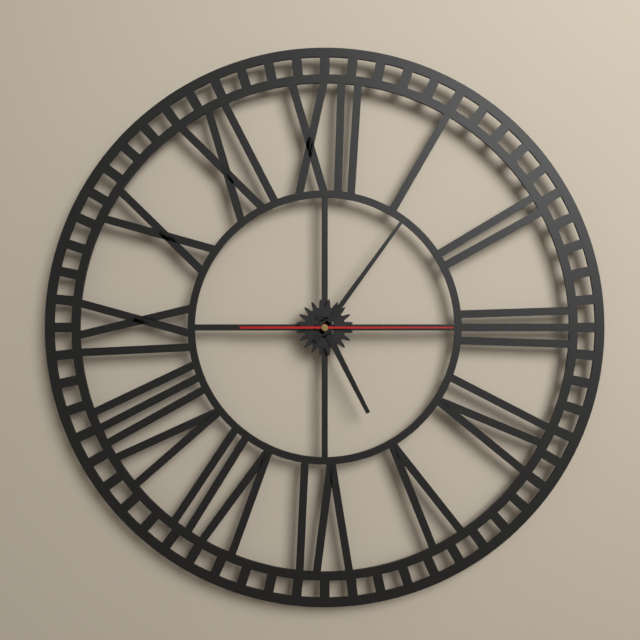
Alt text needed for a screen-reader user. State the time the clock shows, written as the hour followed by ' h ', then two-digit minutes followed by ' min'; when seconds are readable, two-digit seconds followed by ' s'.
5 h 06 min 15 s
